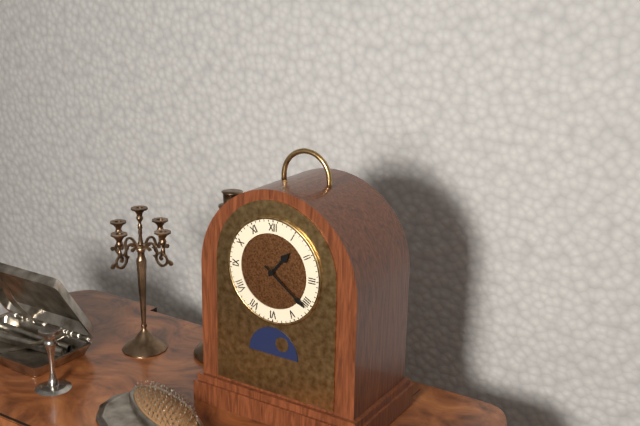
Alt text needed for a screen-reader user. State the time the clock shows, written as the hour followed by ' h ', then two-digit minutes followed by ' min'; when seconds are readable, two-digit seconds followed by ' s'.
1 h 21 min
